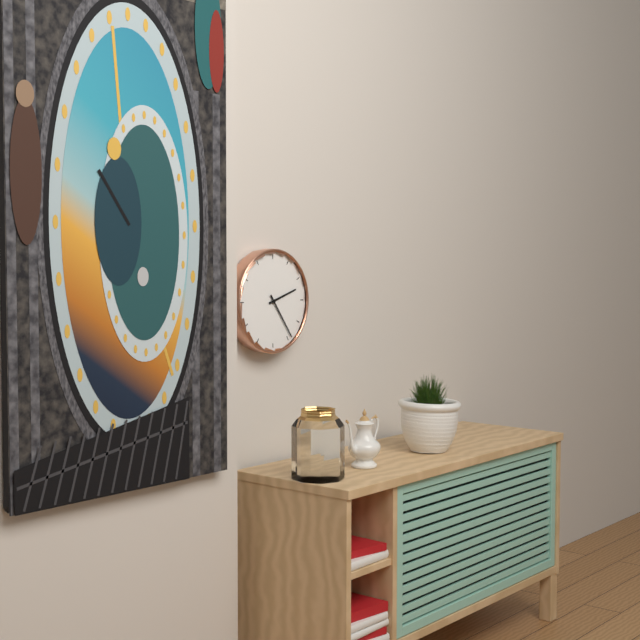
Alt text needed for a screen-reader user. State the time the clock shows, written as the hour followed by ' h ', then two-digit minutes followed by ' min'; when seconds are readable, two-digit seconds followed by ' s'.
2 h 24 min
